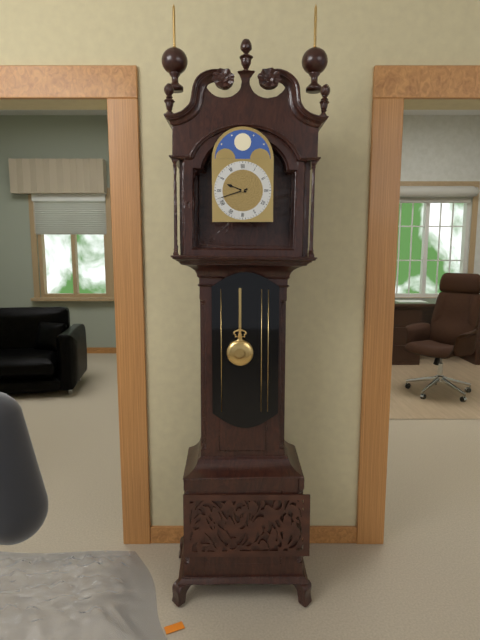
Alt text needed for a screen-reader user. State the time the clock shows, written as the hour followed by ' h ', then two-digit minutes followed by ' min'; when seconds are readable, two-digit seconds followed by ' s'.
9 h 42 min
